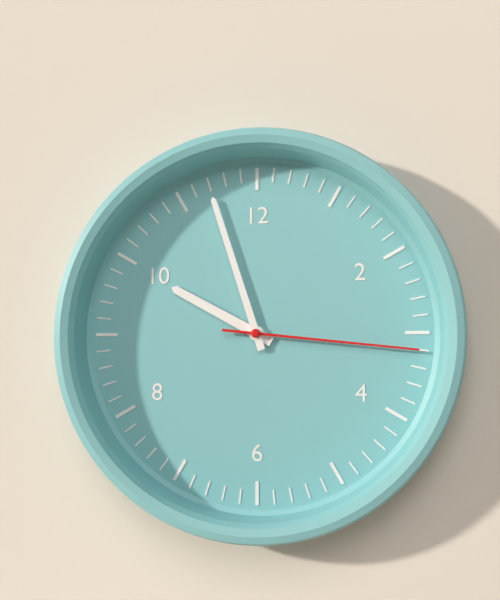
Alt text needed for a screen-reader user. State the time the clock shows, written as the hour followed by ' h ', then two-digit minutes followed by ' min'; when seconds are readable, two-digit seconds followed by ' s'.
9 h 57 min 16 s
